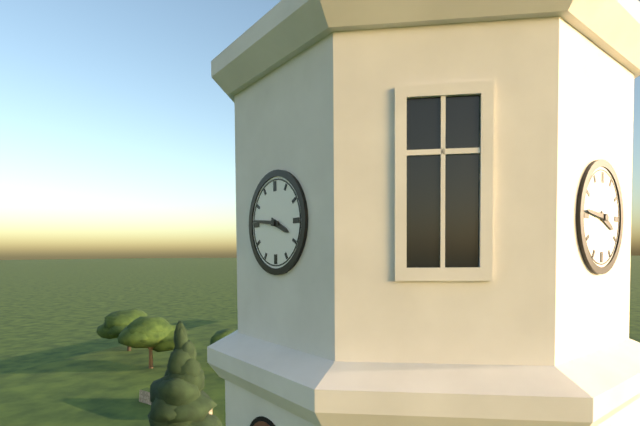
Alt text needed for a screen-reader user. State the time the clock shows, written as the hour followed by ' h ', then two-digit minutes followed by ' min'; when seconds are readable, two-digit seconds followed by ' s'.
3 h 46 min
